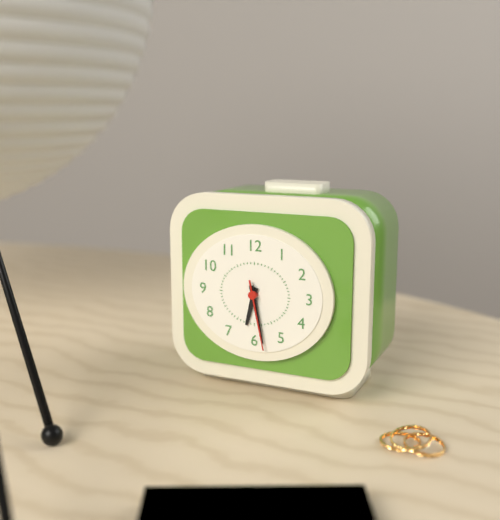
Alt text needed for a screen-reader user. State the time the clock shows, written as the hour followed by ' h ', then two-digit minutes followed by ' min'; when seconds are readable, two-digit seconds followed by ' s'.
6 h 28 min 28 s
